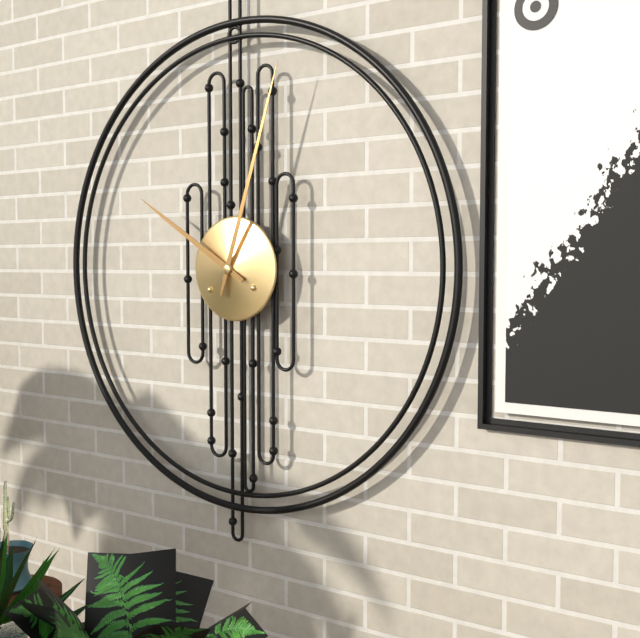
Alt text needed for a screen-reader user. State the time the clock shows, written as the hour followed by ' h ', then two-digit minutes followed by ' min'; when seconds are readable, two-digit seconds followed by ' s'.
10 h 03 min
